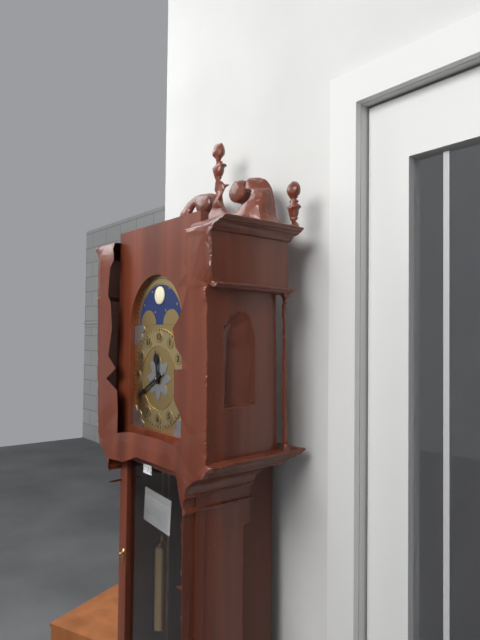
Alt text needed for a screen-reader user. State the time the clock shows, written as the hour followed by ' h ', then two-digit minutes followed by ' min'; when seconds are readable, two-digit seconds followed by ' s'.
11 h 40 min
